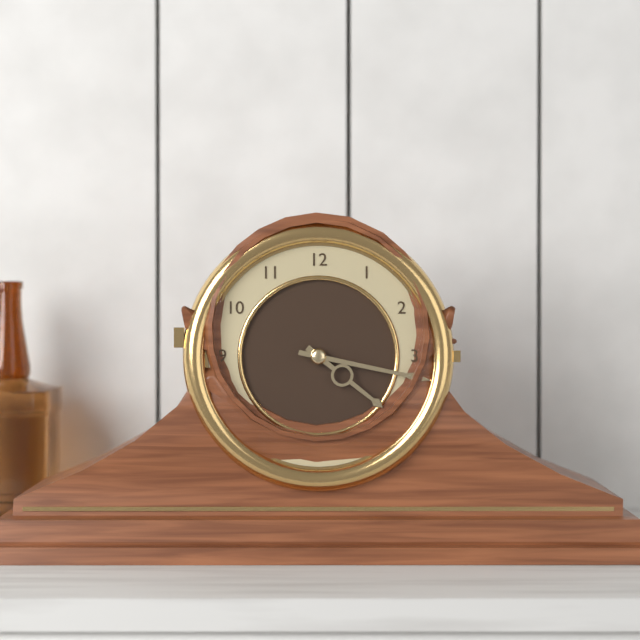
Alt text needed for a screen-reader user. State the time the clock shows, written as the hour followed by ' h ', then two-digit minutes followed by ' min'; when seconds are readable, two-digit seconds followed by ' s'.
4 h 17 min
